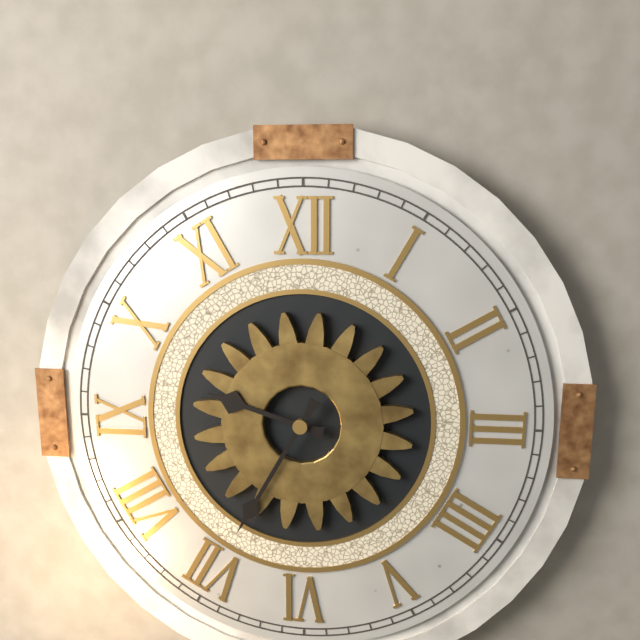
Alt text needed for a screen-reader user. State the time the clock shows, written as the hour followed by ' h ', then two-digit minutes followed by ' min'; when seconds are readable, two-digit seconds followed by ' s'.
9 h 35 min
